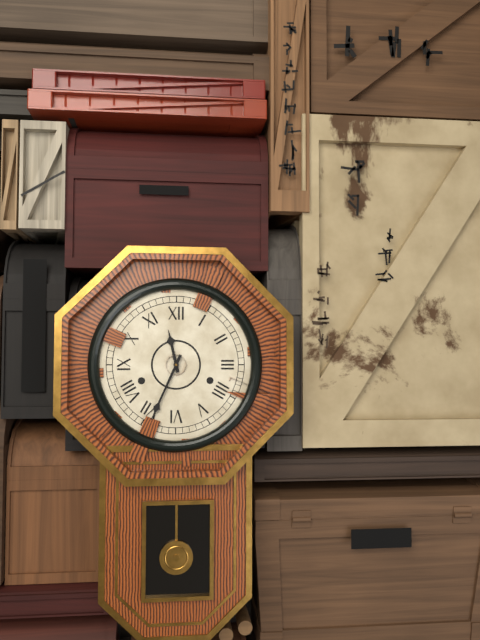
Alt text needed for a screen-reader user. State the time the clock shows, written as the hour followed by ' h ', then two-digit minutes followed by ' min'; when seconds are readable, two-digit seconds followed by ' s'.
11 h 34 min
